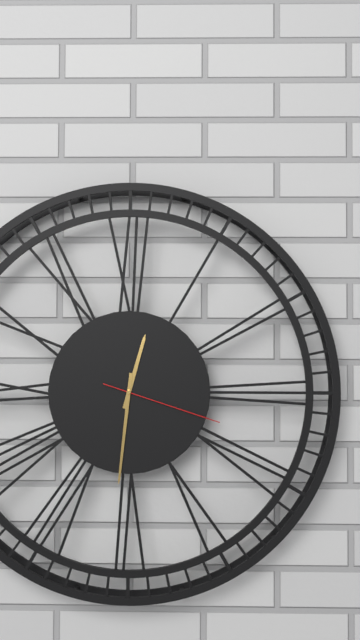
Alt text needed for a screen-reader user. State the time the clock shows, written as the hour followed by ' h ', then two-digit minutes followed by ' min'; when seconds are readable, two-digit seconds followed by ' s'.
12 h 31 min 18 s
